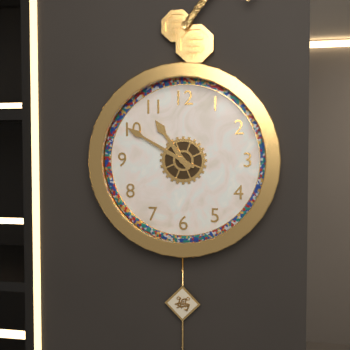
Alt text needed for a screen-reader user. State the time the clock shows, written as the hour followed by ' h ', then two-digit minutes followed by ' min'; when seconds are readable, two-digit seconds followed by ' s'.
10 h 50 min
